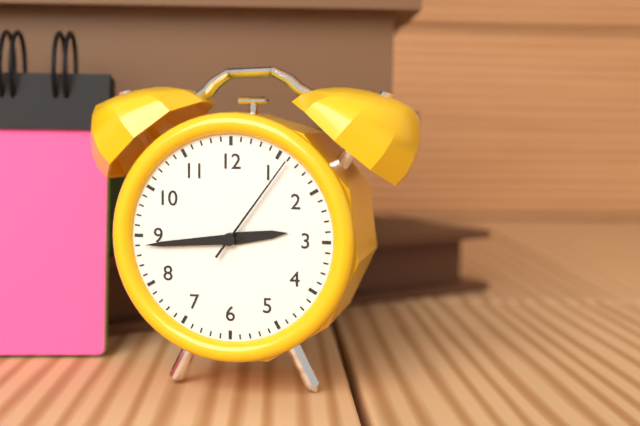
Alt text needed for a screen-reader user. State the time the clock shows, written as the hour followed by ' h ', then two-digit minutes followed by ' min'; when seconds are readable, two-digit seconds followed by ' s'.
2 h 44 min 06 s
